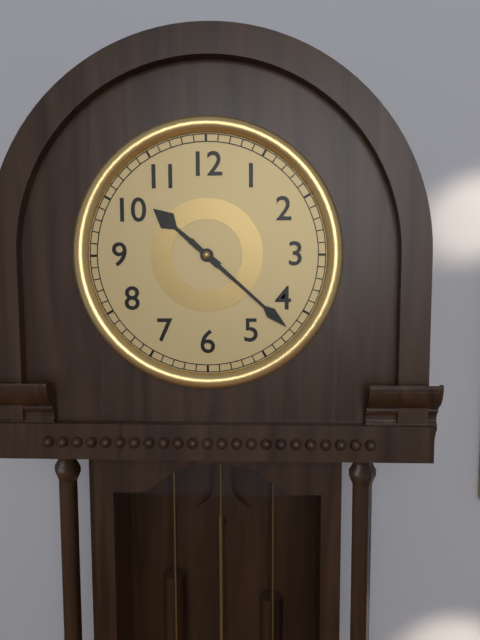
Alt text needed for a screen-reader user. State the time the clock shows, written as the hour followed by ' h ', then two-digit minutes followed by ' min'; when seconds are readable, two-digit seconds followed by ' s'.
10 h 22 min
